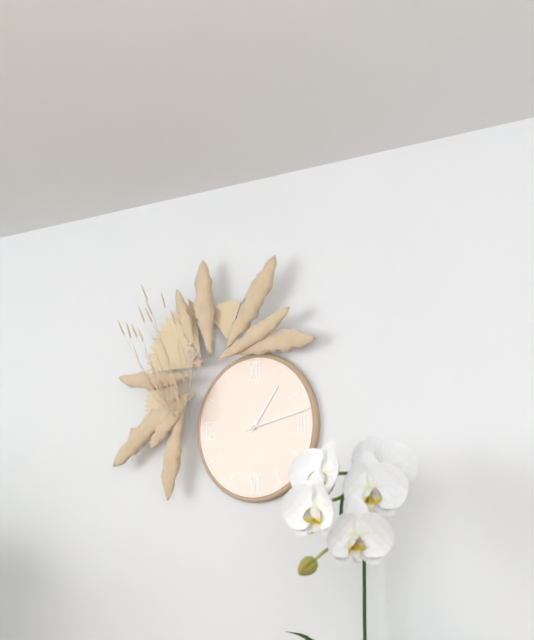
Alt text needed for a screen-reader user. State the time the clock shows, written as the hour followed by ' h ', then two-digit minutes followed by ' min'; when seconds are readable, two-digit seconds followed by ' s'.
1 h 13 min
